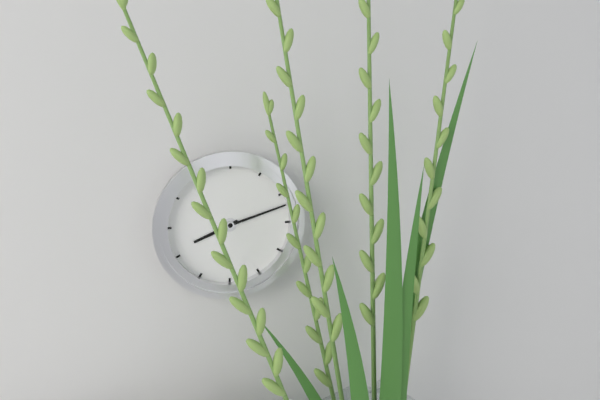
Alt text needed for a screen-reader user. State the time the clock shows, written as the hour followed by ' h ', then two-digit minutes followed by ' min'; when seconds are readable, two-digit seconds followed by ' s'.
8 h 12 min
